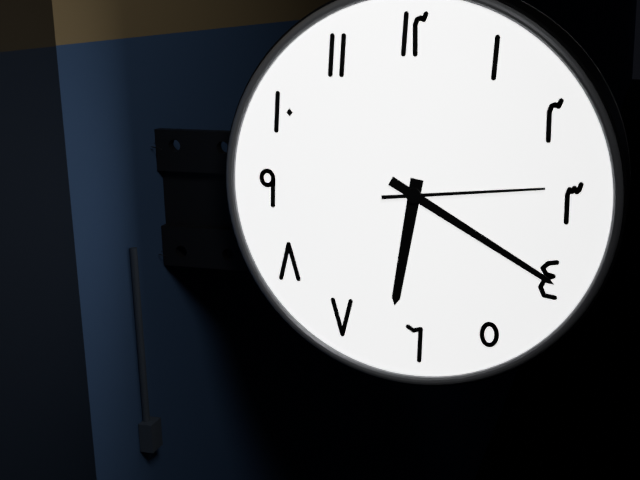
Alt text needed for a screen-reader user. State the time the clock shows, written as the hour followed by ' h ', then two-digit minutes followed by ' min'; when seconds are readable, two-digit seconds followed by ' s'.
6 h 20 min 14 s
